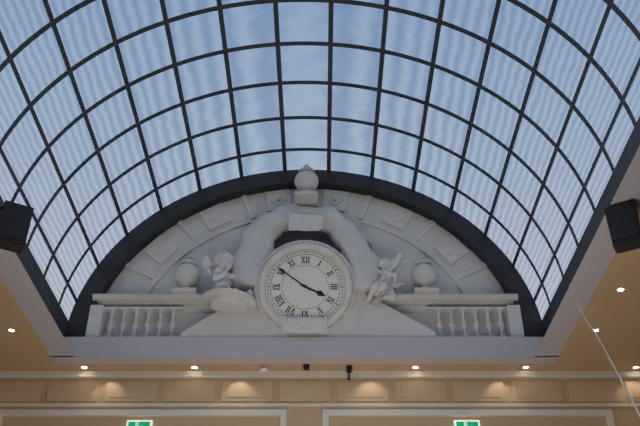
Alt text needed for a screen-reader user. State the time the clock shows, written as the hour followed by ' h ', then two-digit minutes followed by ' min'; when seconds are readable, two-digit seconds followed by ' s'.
3 h 51 min
